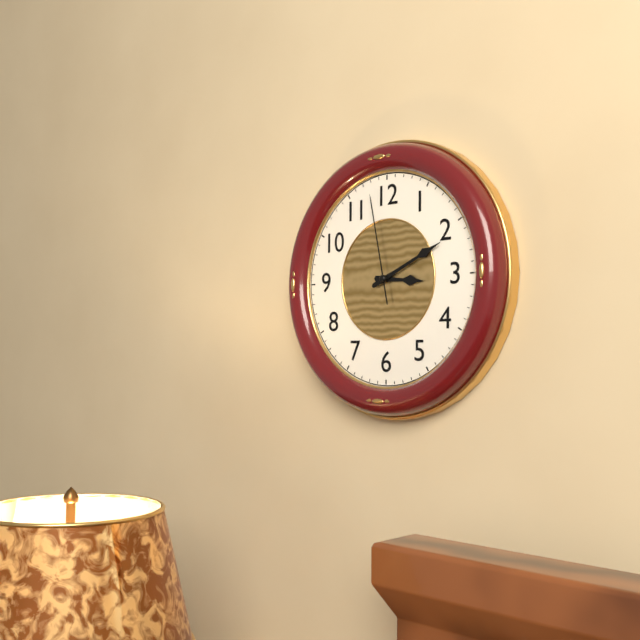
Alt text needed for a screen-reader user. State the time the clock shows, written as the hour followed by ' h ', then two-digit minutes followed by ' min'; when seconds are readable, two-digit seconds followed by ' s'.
3 h 11 min 58 s
